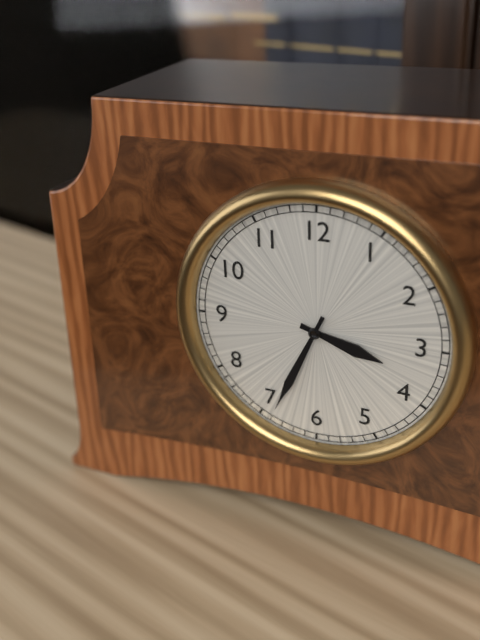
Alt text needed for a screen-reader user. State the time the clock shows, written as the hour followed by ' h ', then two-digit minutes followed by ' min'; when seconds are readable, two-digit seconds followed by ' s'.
3 h 34 min
